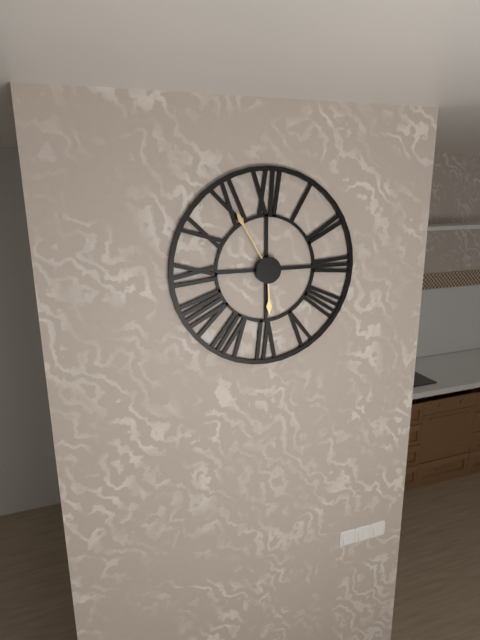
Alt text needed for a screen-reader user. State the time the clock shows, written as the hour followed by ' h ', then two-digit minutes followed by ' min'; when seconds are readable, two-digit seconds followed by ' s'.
5 h 55 min
